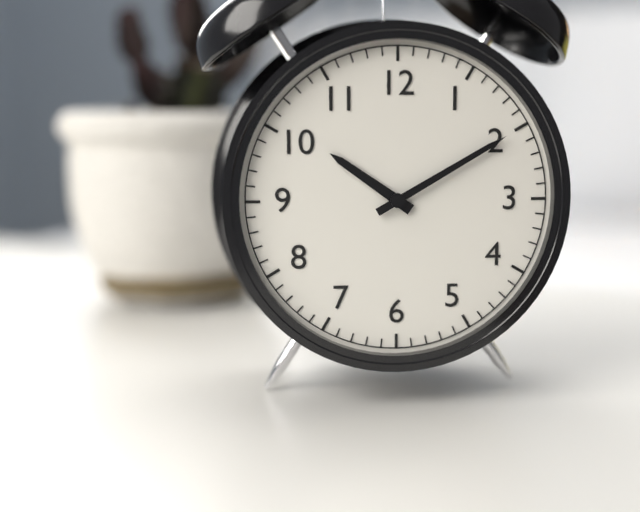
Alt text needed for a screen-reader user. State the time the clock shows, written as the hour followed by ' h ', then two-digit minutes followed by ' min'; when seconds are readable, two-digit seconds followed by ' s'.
10 h 10 min
